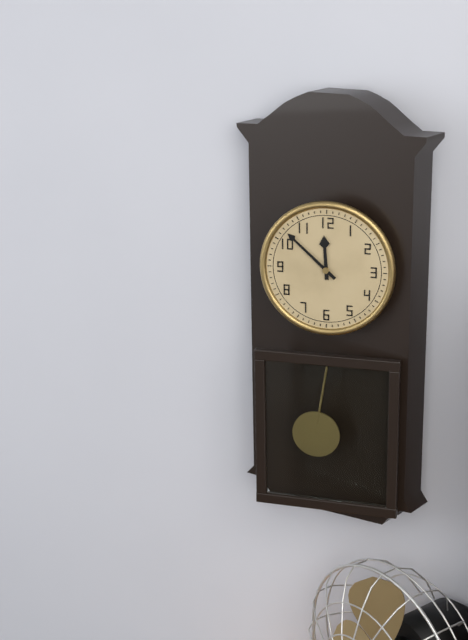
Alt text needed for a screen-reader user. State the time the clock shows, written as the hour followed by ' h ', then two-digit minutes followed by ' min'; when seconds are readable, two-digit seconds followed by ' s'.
11 h 52 min
